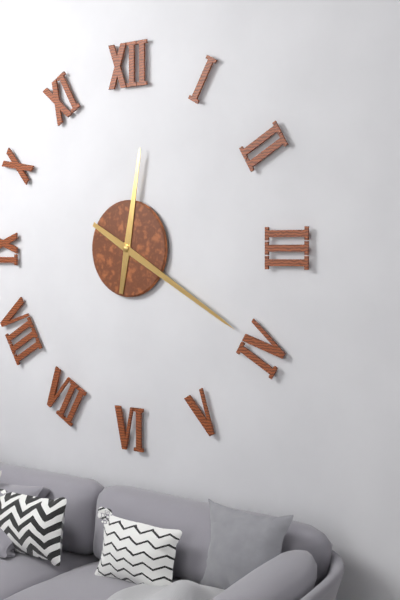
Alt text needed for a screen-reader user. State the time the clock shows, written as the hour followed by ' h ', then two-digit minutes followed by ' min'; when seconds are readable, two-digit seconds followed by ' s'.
12 h 20 min
